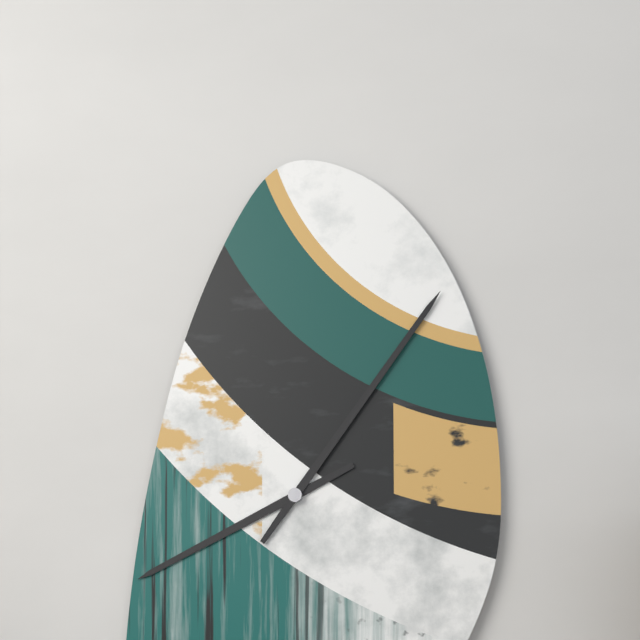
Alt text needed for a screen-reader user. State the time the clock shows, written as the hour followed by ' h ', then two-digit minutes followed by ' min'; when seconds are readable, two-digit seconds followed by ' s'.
8 h 06 min
